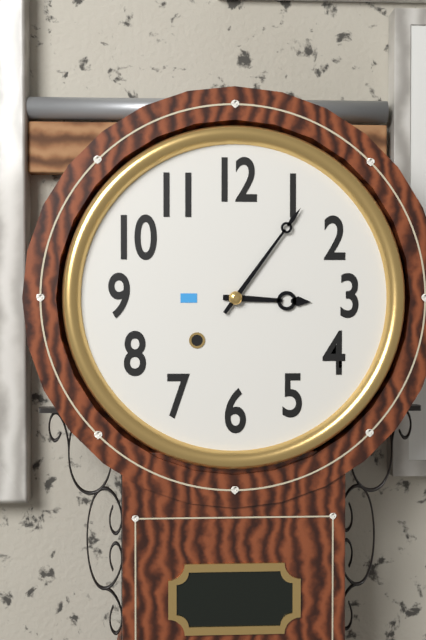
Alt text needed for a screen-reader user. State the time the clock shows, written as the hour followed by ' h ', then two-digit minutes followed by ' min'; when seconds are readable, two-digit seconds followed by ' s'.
3 h 06 min
